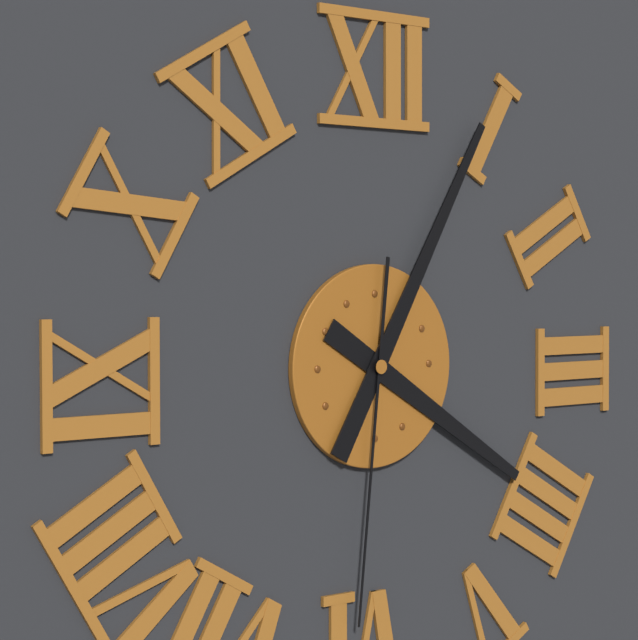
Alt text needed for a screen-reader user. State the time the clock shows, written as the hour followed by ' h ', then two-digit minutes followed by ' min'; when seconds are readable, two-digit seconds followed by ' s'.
4 h 05 min 31 s
